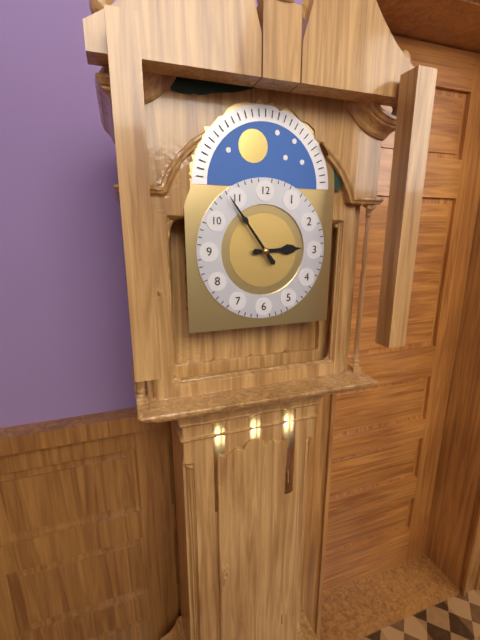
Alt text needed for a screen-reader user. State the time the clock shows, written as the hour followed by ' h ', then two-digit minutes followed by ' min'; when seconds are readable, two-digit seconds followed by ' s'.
2 h 54 min
